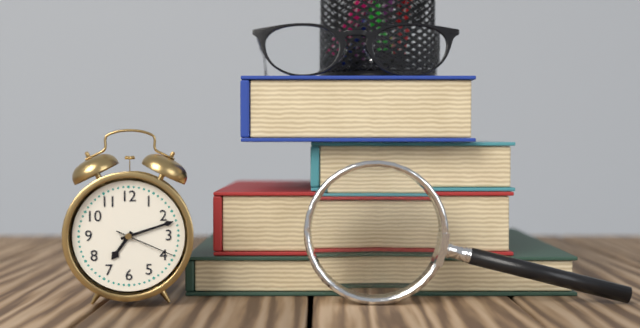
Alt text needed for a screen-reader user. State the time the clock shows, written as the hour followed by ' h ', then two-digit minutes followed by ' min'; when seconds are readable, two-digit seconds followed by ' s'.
7 h 12 min 19 s
